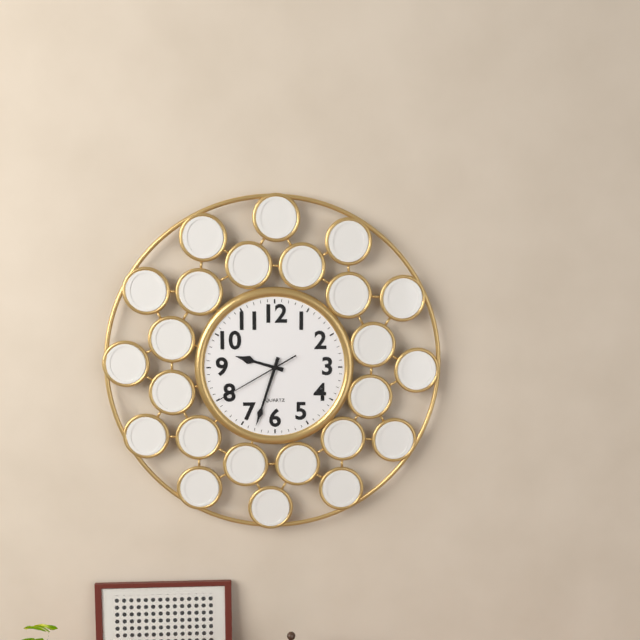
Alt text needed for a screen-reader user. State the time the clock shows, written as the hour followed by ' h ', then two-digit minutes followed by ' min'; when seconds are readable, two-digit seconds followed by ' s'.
9 h 33 min 40 s
